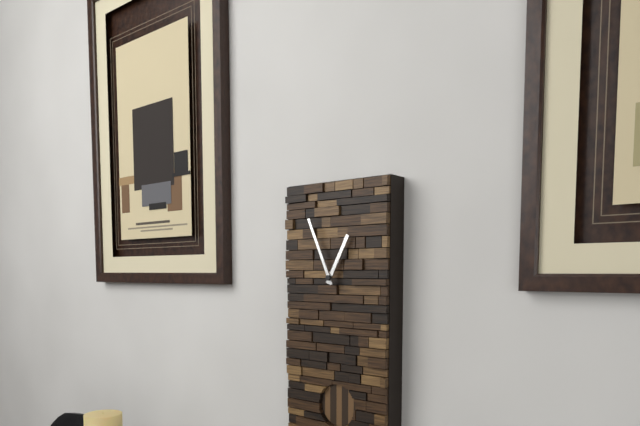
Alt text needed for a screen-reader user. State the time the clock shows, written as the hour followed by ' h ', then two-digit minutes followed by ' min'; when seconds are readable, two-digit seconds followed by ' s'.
12 h 56 min
